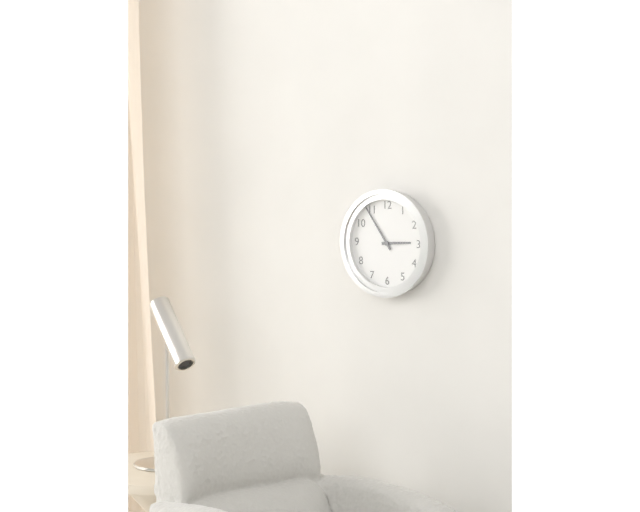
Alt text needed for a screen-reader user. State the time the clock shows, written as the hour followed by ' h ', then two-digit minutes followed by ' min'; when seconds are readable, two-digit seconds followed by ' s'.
2 h 54 min
